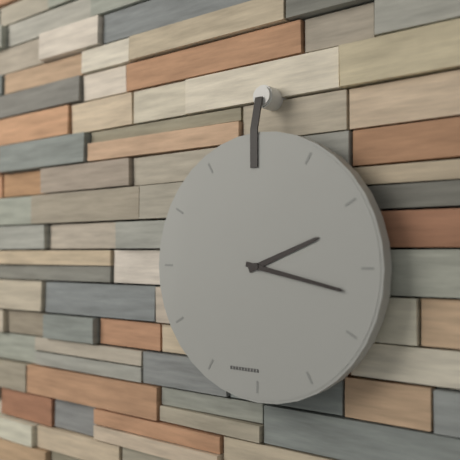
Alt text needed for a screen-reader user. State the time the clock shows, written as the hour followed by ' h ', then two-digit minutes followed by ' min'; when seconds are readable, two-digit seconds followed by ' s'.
2 h 17 min
